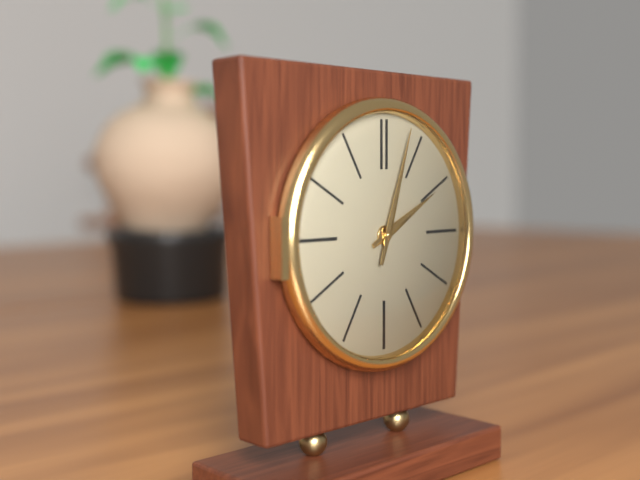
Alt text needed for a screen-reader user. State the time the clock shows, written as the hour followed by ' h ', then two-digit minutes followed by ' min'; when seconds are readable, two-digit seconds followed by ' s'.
2 h 03 min
